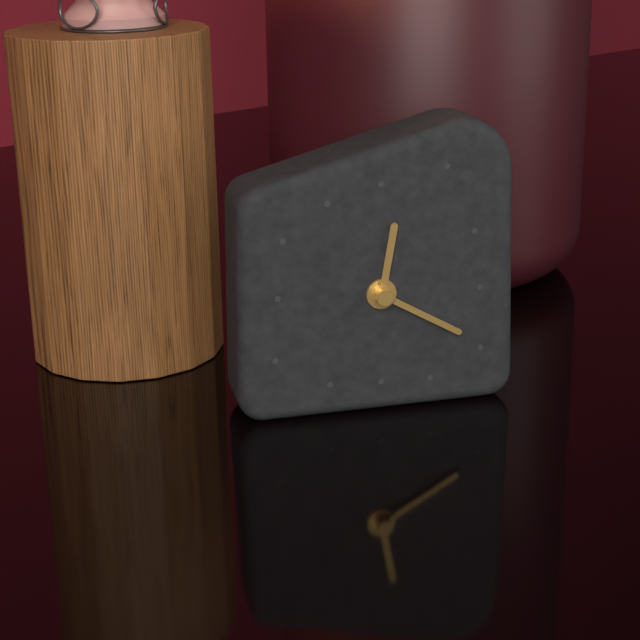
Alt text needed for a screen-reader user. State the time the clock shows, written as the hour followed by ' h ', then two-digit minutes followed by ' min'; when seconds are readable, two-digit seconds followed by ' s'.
12 h 20 min
